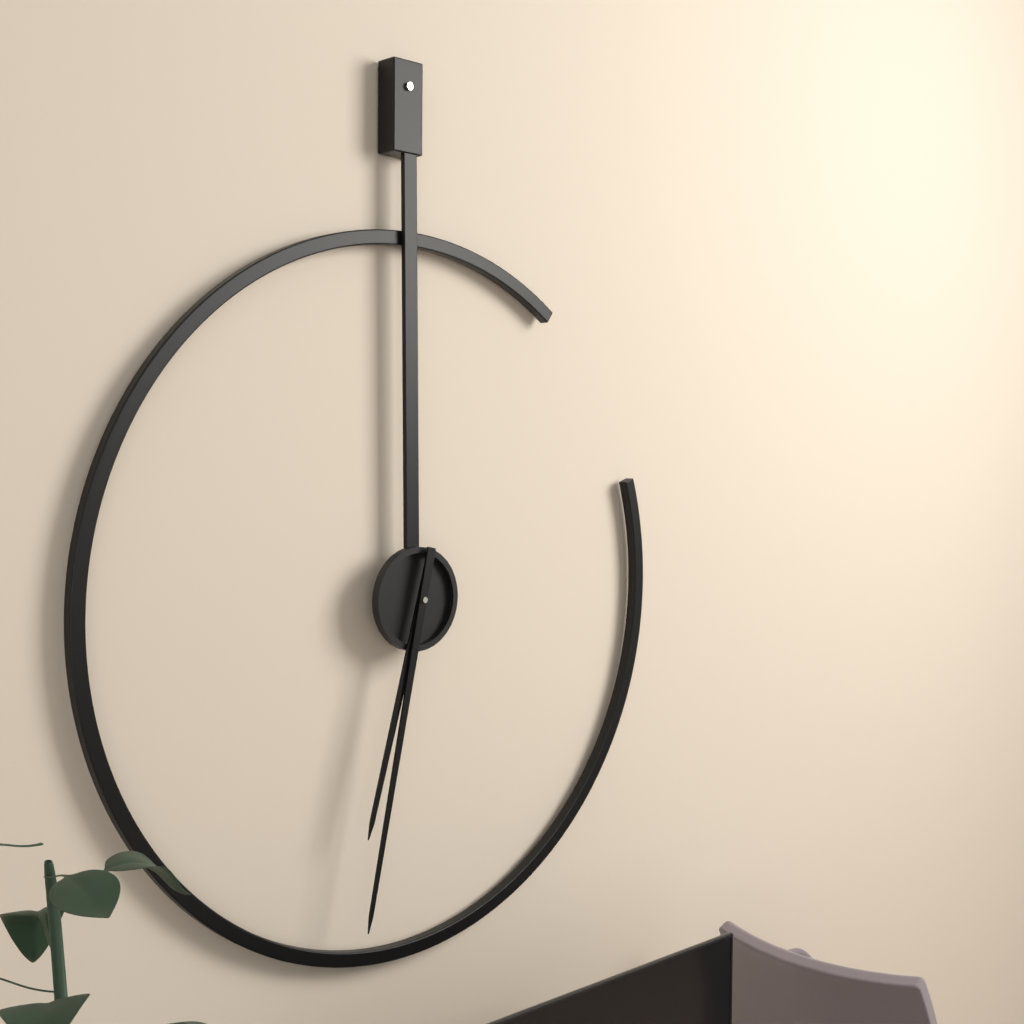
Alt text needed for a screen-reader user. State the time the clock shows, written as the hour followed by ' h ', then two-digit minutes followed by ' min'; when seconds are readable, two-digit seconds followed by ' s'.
6 h 32 min
